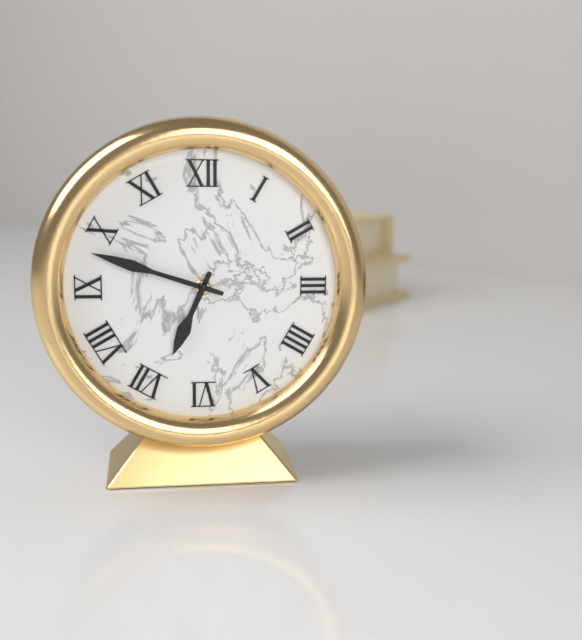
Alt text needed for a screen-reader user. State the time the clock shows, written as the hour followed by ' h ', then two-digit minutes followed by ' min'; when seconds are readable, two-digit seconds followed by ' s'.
6 h 48 min
